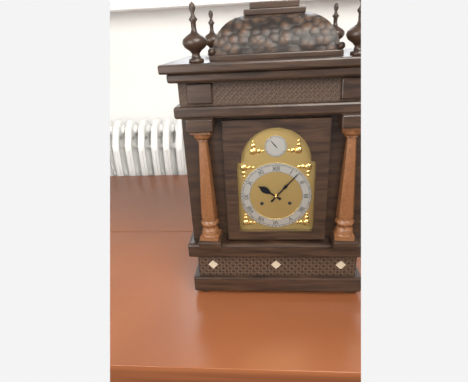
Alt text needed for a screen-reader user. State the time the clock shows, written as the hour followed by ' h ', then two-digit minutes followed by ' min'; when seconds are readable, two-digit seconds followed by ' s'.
10 h 07 min
